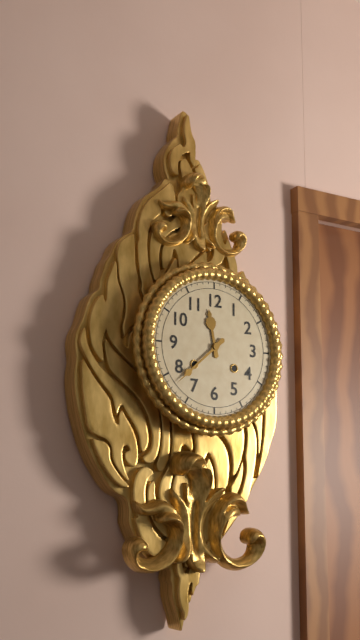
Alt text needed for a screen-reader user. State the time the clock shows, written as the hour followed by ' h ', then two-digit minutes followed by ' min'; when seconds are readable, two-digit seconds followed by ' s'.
11 h 38 min
